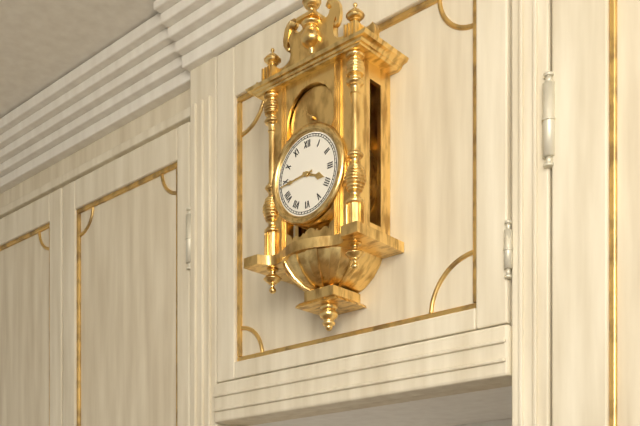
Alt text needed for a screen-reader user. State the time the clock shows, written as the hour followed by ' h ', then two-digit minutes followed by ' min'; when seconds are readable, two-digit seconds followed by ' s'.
3 h 44 min
